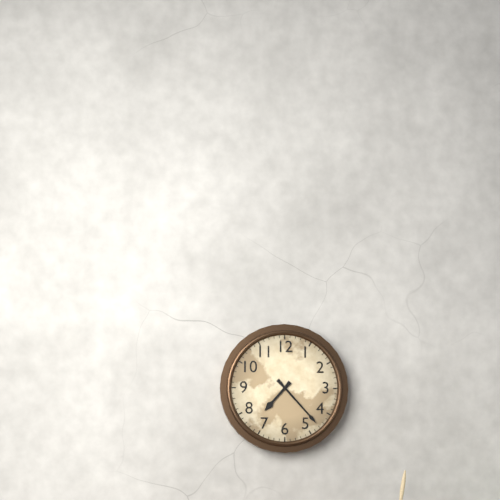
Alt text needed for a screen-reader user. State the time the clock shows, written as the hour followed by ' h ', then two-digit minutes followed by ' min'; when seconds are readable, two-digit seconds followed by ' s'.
7 h 23 min
